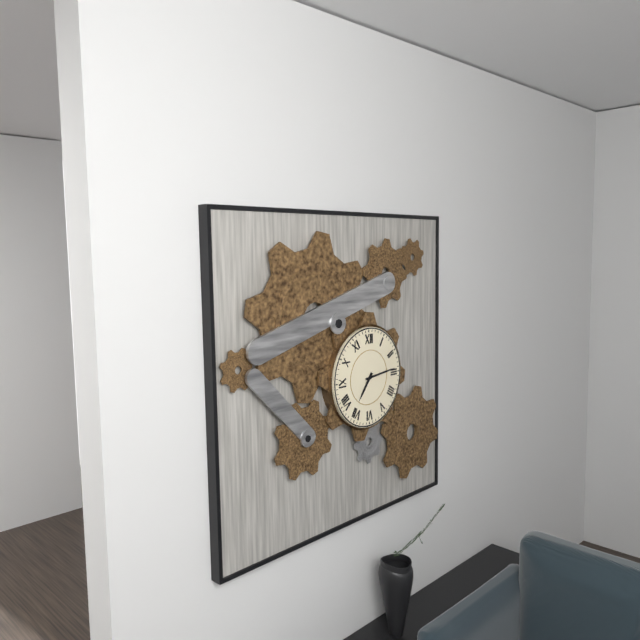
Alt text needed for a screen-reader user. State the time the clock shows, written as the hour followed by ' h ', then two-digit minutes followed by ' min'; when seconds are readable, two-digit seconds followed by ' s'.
7 h 14 min
